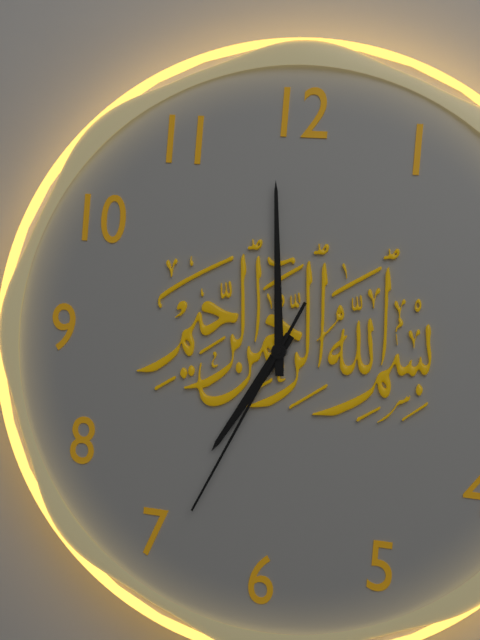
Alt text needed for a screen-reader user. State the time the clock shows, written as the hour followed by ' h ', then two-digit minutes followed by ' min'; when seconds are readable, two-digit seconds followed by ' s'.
6 h 59 min 34 s
